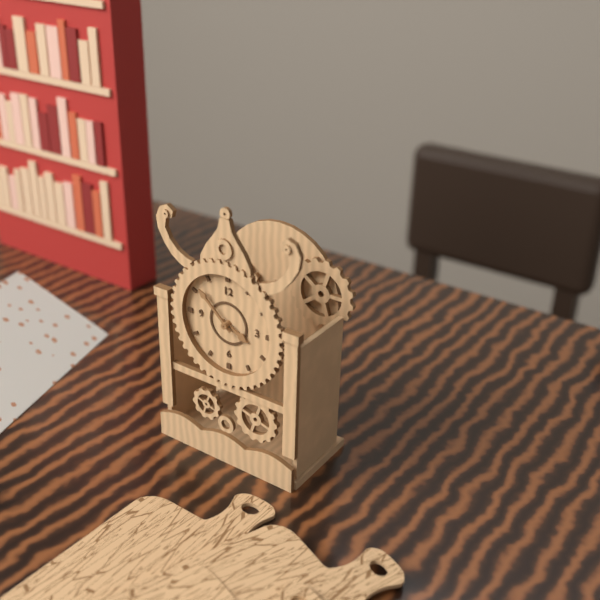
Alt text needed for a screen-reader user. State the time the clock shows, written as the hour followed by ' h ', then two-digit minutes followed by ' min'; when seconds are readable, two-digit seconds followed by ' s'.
3 h 52 min
